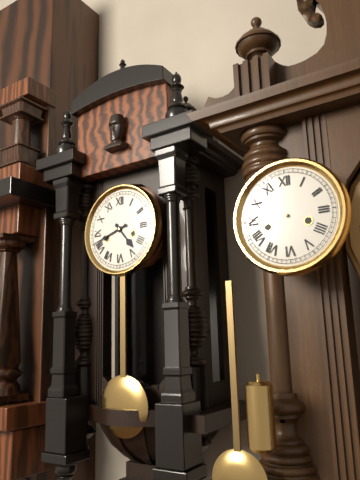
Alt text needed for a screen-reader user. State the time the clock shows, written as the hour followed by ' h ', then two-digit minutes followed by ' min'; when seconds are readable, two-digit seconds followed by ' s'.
4 h 42 min
